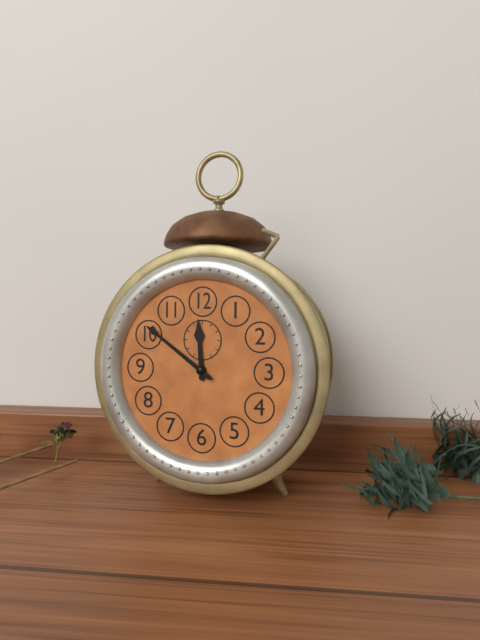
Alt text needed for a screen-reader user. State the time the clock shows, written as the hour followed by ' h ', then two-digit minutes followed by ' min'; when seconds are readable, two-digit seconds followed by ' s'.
11 h 51 min
